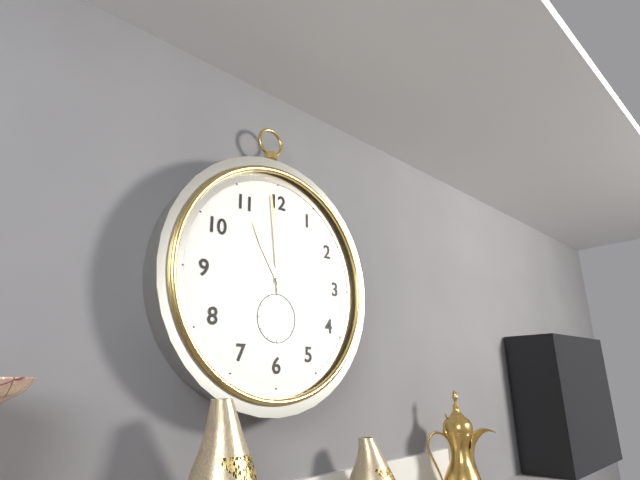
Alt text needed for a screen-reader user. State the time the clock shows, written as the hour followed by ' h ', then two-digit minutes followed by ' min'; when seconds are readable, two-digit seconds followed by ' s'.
10 h 59 min
